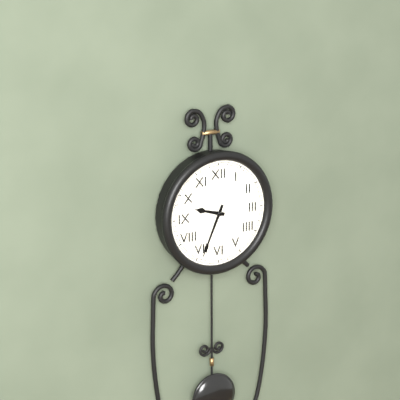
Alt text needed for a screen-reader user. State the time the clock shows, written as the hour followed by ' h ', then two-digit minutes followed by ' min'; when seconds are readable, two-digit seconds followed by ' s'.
9 h 34 min
